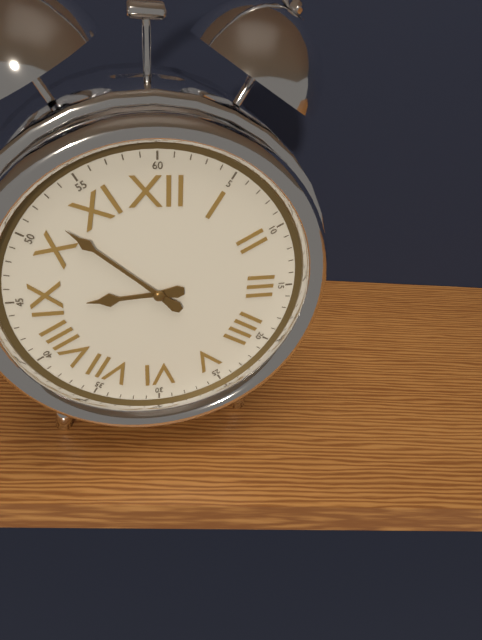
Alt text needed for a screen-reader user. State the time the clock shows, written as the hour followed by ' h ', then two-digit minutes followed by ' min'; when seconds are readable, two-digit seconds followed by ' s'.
8 h 52 min
